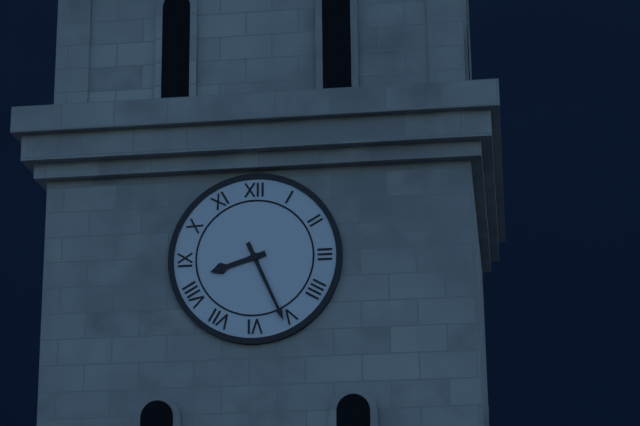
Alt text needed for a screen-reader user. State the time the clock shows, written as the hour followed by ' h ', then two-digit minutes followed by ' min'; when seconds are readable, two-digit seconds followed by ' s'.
8 h 26 min
